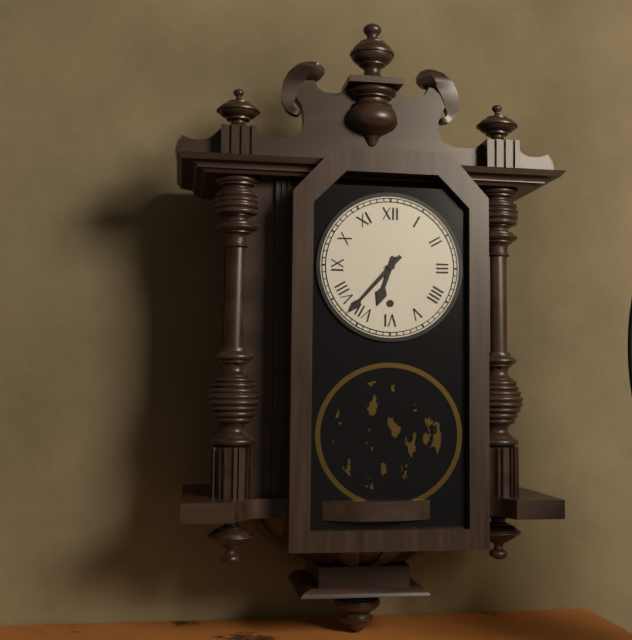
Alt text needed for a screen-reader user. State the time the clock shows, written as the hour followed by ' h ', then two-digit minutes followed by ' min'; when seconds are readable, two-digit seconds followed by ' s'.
6 h 37 min
